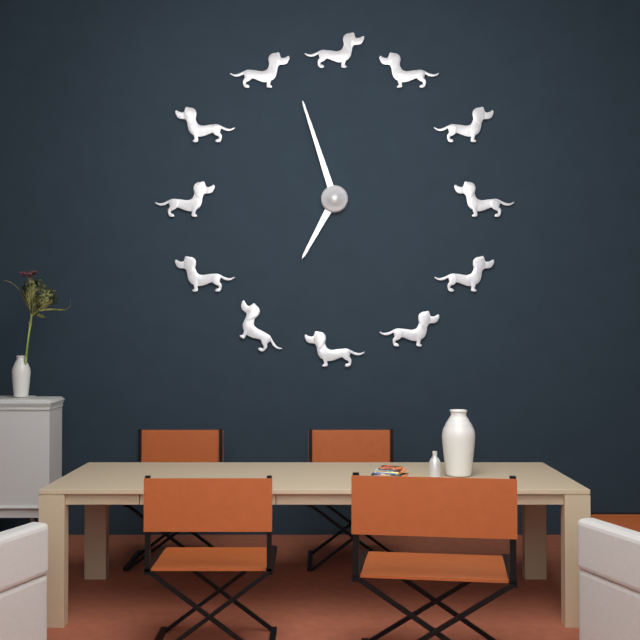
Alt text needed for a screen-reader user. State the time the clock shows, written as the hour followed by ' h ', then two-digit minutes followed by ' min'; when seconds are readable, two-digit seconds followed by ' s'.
6 h 57 min
